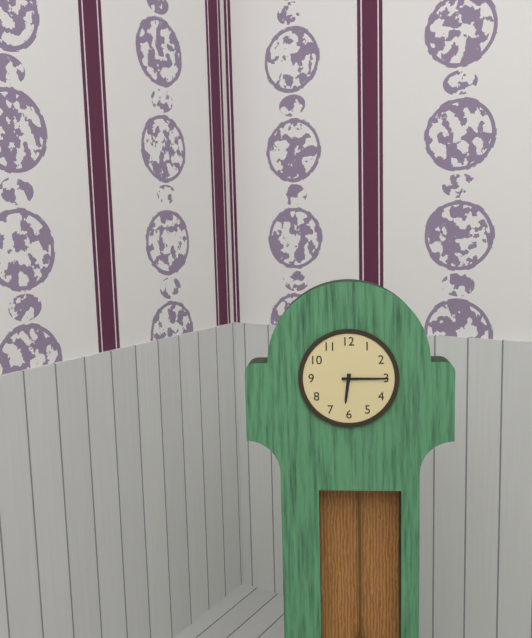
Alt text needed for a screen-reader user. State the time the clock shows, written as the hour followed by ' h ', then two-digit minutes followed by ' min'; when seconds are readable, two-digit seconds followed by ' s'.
6 h 15 min
